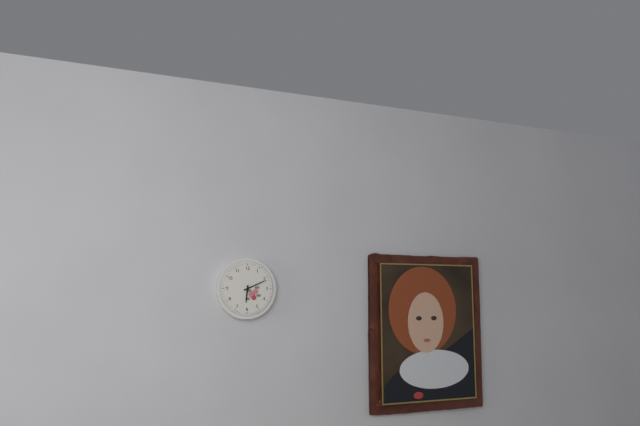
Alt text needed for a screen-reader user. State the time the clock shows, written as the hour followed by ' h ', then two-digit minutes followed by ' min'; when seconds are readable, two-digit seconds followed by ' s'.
6 h 11 min
